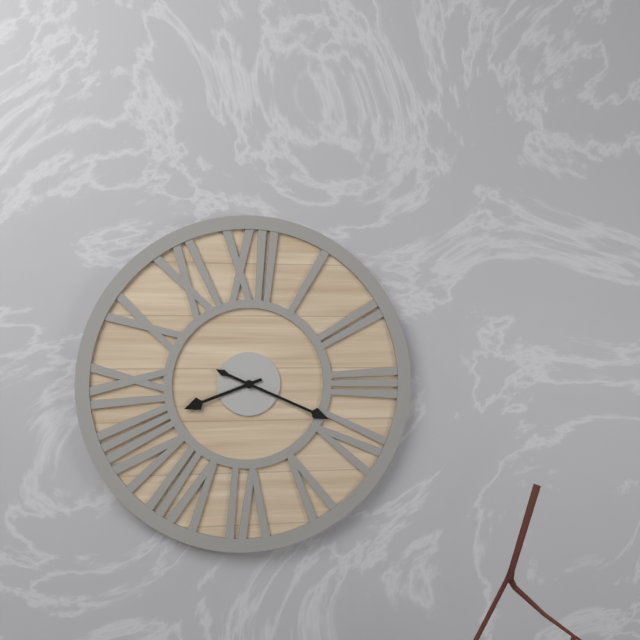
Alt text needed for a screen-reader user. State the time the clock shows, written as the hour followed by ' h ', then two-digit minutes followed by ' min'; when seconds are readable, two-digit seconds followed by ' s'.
8 h 19 min
